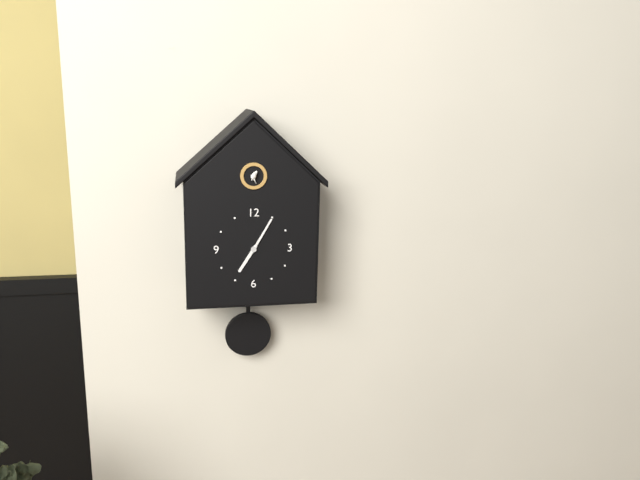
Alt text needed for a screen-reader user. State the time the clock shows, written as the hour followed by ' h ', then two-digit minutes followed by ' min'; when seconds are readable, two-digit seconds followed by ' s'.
7 h 05 min
